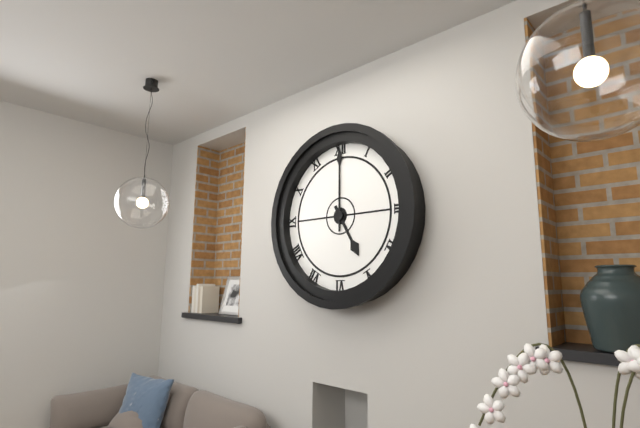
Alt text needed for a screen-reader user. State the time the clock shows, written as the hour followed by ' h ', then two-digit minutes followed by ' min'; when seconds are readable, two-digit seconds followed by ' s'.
5 h 00 min
